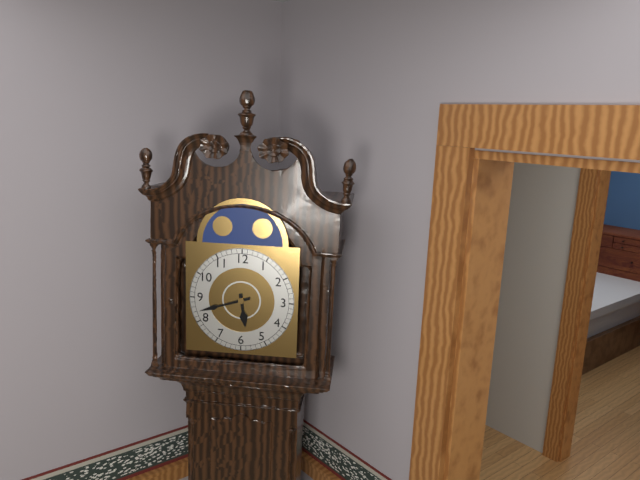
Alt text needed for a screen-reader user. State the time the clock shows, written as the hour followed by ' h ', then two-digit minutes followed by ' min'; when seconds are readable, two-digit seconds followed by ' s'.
5 h 42 min
